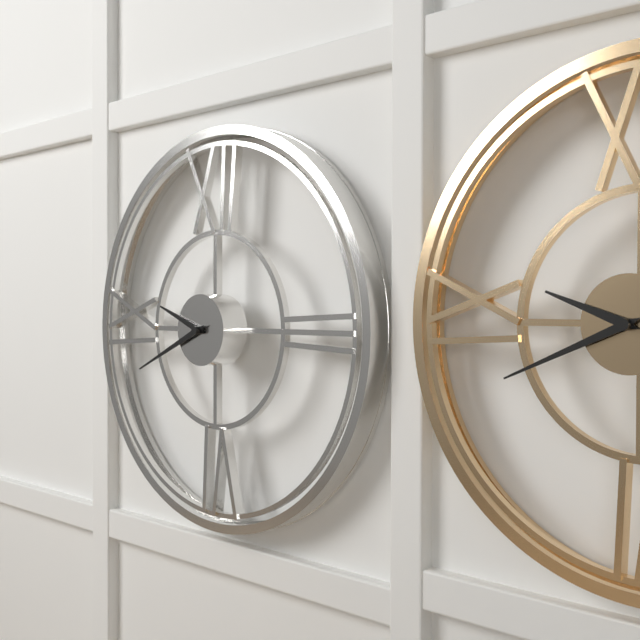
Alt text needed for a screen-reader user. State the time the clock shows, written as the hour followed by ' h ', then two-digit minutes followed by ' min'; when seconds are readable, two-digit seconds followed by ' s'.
9 h 41 min
